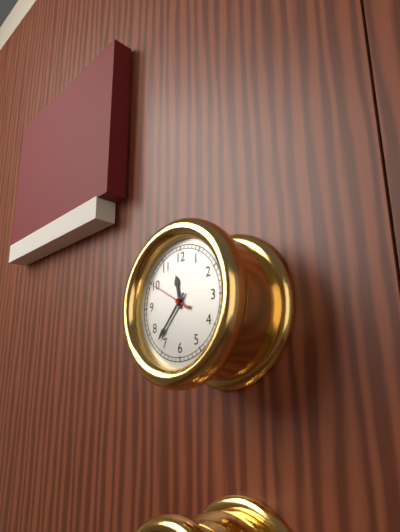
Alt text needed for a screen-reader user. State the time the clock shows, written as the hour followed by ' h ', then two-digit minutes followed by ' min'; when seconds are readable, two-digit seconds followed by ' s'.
11 h 37 min
